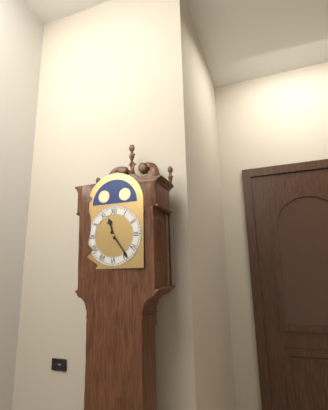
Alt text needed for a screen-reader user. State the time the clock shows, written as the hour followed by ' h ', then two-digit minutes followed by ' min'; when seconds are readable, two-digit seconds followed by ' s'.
11 h 24 min
